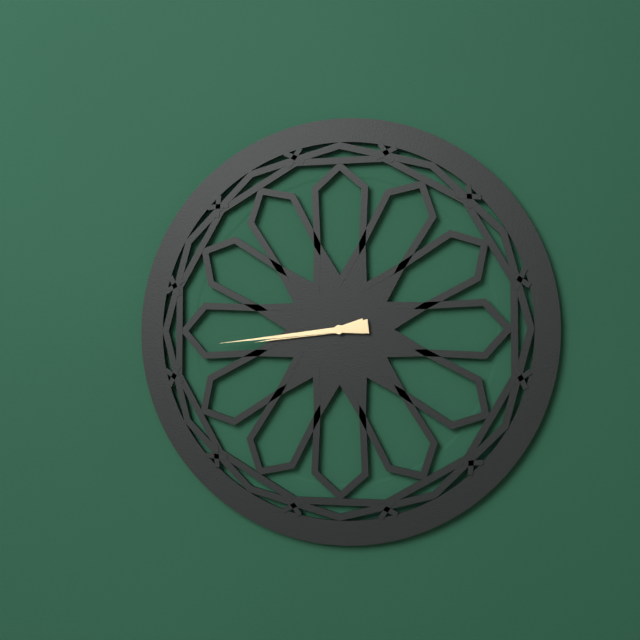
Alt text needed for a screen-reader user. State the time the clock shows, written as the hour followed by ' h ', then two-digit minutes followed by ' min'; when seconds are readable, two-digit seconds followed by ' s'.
8 h 44 min
